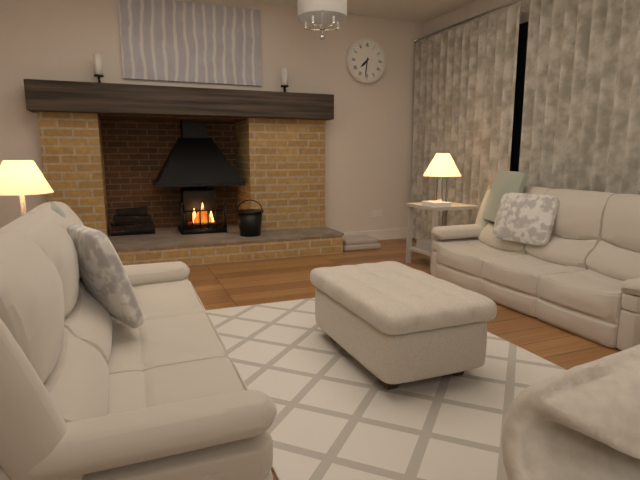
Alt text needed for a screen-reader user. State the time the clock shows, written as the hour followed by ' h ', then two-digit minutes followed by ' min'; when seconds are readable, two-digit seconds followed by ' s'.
7 h 31 min
